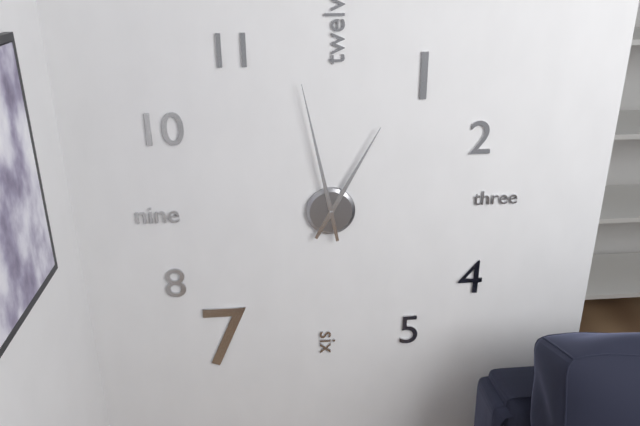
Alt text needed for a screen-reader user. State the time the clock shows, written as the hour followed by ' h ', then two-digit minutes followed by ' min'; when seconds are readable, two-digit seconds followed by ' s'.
12 h 58 min
